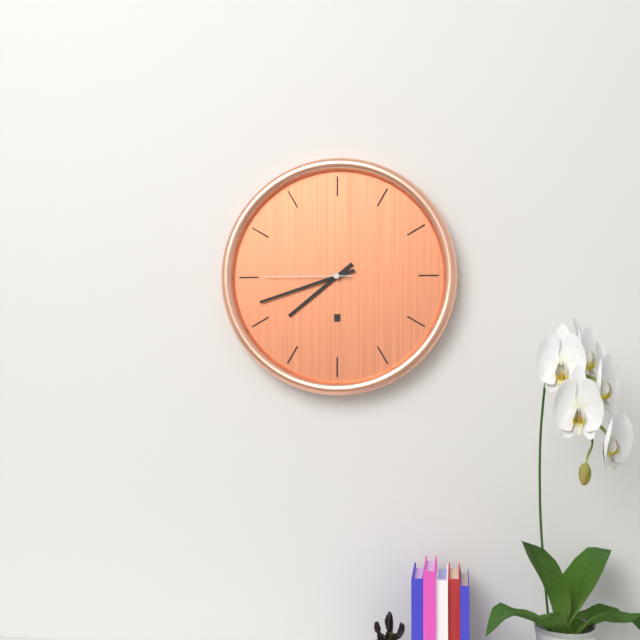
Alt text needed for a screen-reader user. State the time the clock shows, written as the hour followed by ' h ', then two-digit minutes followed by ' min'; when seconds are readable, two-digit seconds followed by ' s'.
7 h 42 min 45 s
